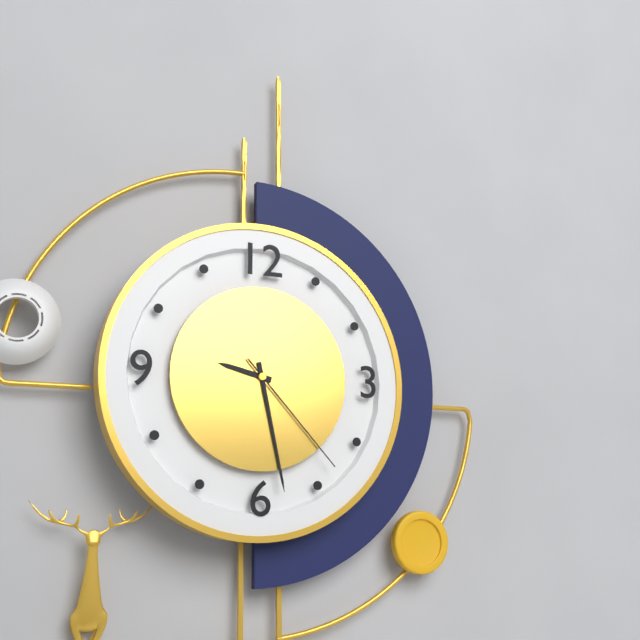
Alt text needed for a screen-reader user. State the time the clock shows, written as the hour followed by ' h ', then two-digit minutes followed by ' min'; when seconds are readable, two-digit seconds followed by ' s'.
9 h 28 min 23 s
